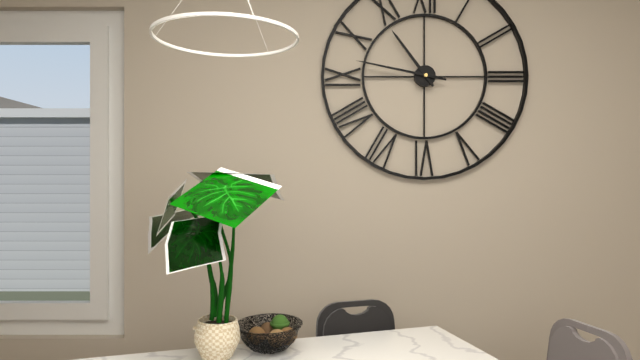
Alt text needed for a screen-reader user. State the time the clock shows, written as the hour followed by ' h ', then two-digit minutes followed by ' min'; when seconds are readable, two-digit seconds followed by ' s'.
10 h 47 min
